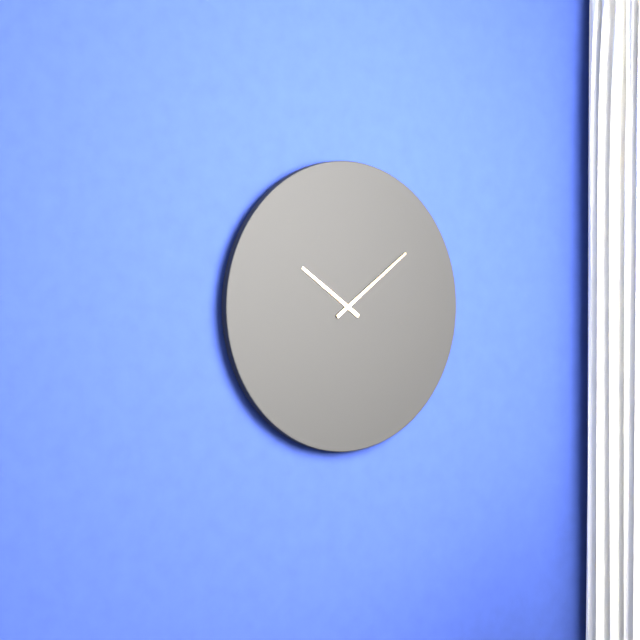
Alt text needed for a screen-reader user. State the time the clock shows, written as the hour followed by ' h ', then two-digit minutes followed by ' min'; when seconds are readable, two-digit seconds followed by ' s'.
10 h 09 min
